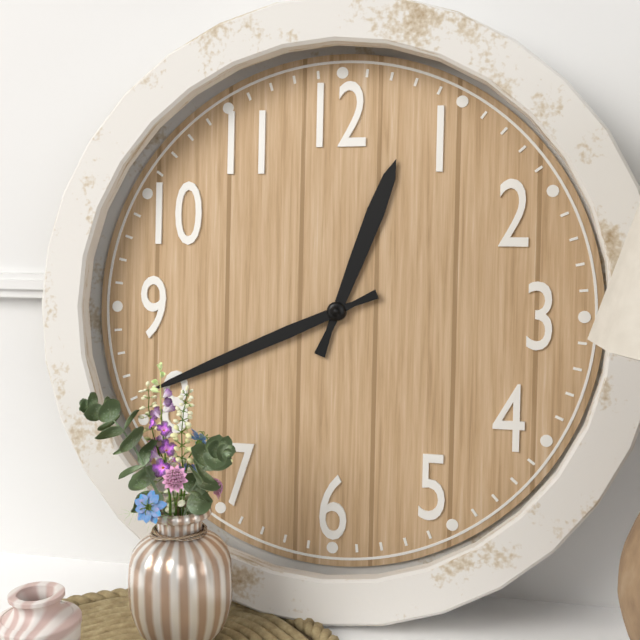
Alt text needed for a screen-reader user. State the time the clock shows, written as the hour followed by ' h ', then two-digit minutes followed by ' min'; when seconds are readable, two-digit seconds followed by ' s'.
12 h 41 min
